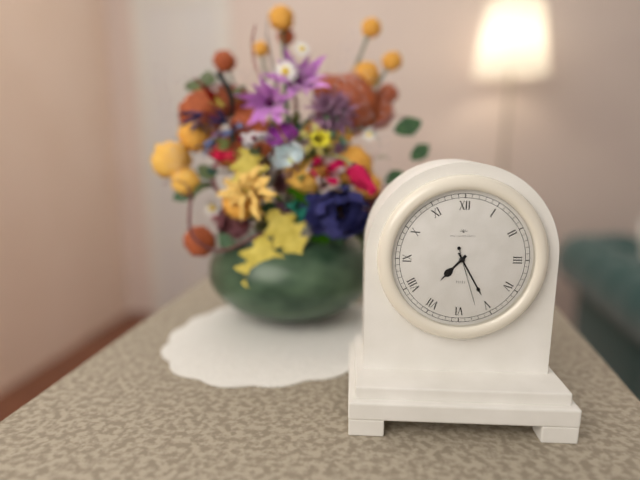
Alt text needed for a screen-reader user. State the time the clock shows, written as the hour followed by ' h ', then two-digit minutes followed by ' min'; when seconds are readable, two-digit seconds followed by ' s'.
7 h 25 min 27 s
